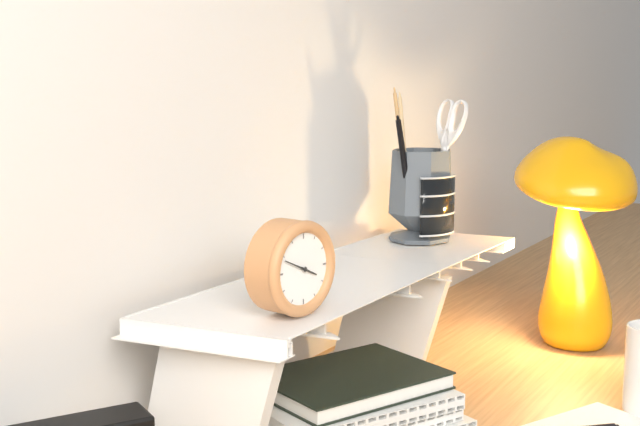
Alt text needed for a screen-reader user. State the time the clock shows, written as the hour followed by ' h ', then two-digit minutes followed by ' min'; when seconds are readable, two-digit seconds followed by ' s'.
3 h 49 min
